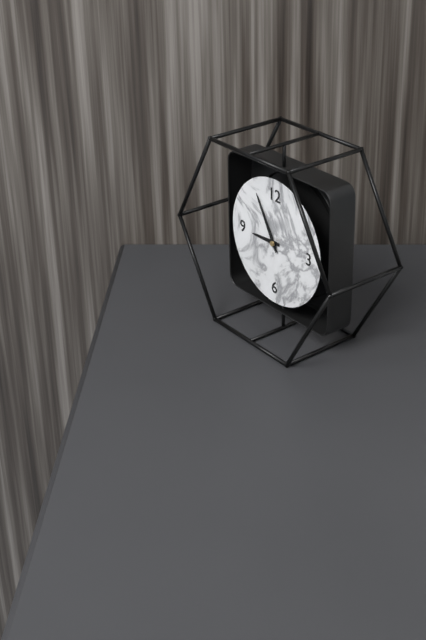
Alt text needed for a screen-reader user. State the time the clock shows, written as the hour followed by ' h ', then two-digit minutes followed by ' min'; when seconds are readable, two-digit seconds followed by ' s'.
8 h 55 min
